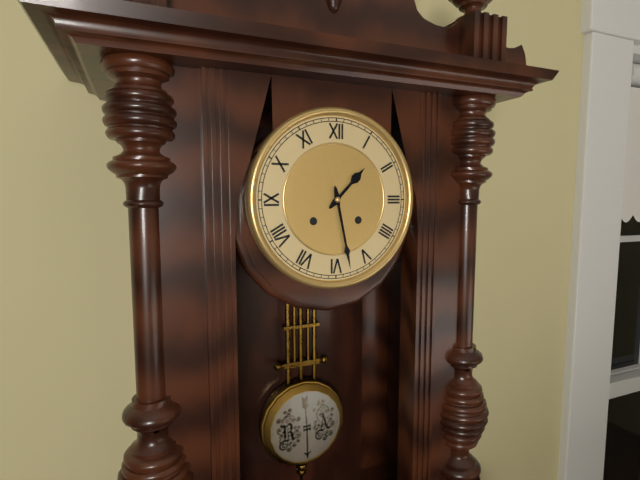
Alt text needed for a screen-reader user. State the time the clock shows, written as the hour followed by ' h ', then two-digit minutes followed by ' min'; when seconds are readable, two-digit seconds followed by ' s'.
1 h 28 min
